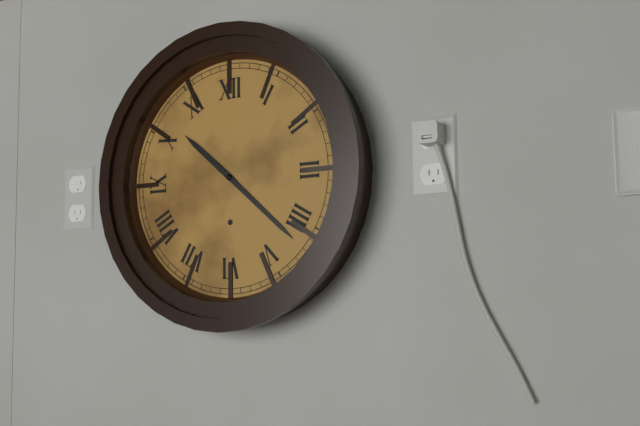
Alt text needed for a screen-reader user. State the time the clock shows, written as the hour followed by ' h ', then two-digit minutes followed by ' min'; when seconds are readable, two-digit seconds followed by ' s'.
10 h 22 min
